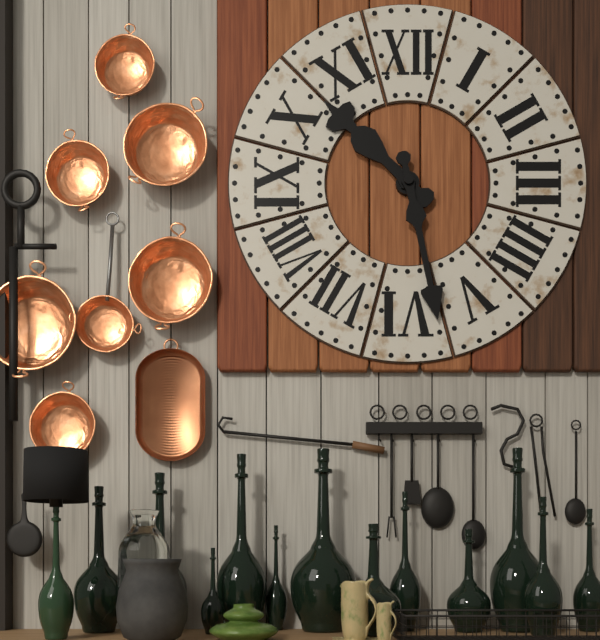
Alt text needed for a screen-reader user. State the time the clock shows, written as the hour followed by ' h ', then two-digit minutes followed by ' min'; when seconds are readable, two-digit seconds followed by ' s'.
10 h 28 min
